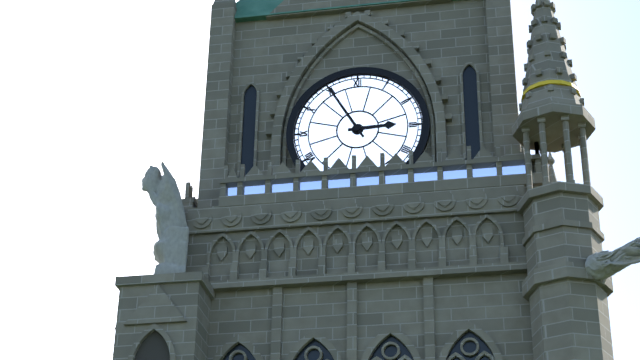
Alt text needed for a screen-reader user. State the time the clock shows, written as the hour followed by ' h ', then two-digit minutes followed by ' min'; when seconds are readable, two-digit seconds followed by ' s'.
2 h 55 min
